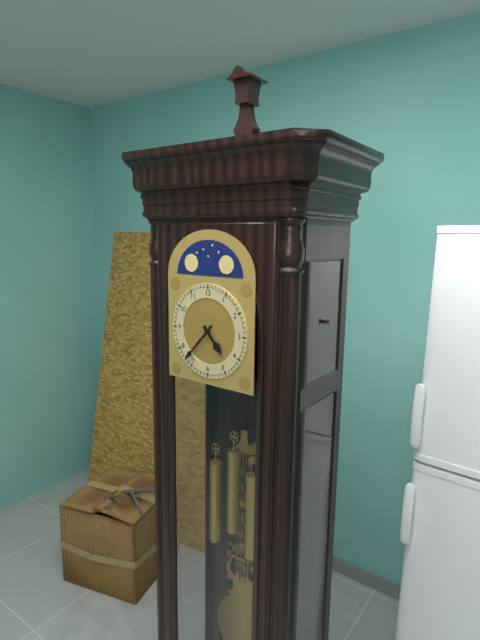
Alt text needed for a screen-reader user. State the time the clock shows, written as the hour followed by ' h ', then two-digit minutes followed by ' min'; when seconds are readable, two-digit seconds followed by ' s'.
4 h 37 min
